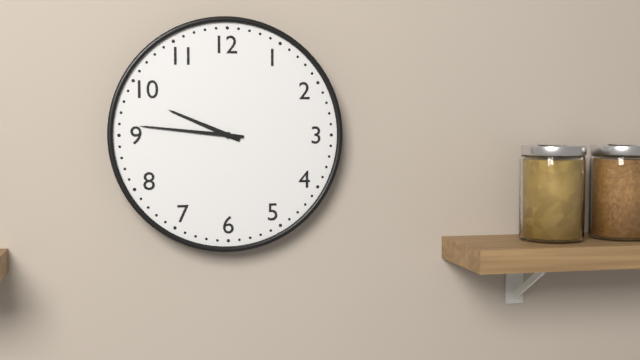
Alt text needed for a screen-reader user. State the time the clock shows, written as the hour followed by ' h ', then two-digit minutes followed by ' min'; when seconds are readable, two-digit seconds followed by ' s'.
9 h 46 min
